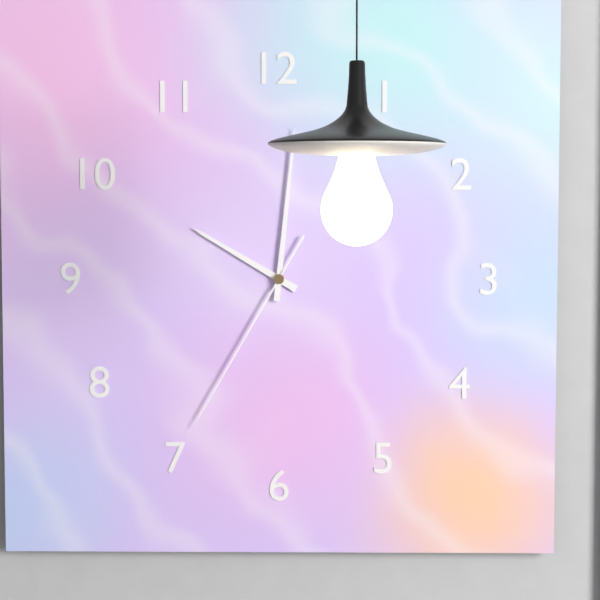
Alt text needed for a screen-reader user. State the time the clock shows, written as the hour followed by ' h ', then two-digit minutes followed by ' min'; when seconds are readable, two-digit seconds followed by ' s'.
10 h 01 min 35 s
